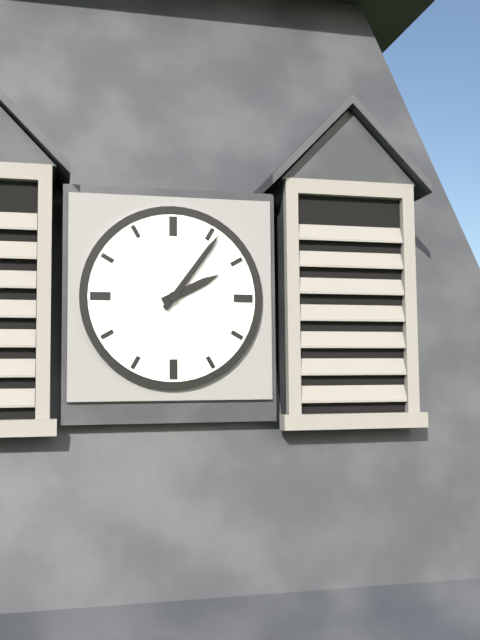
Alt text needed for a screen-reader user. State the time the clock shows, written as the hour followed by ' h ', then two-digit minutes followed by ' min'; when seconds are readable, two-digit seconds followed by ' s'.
2 h 06 min
